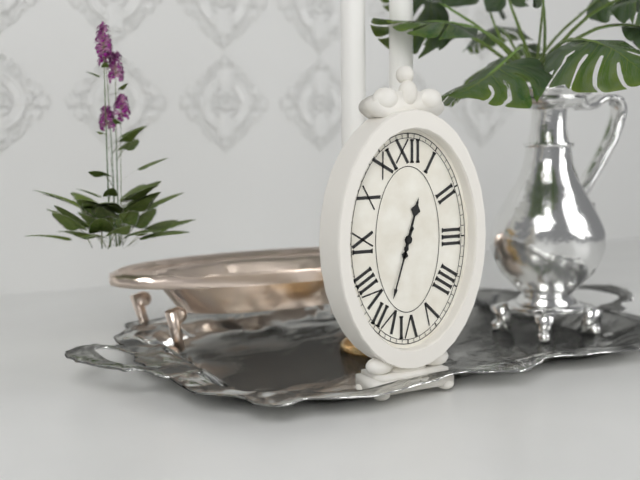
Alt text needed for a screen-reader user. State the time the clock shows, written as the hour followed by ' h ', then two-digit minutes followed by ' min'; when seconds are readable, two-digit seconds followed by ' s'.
12 h 33 min
